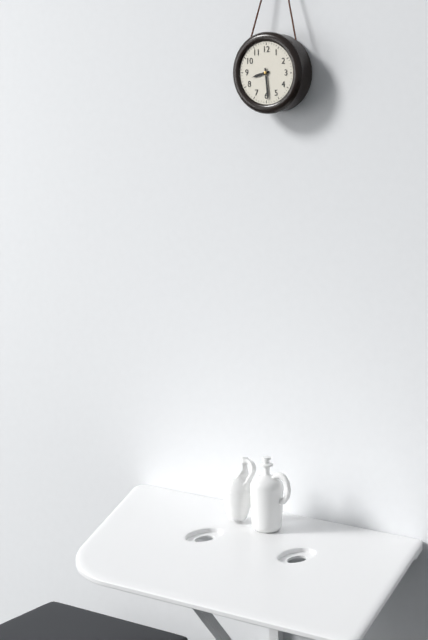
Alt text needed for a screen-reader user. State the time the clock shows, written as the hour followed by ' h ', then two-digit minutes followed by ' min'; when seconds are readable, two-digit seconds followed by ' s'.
8 h 29 min
